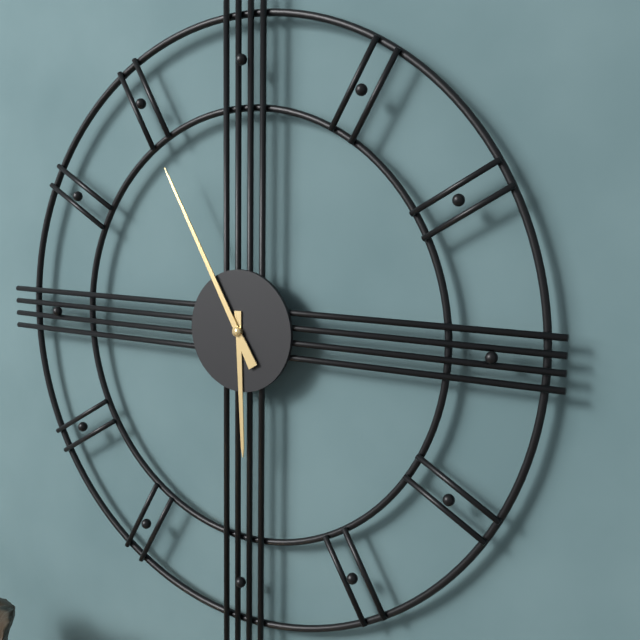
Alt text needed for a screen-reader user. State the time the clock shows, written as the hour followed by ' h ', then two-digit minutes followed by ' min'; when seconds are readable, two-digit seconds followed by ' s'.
5 h 55 min
